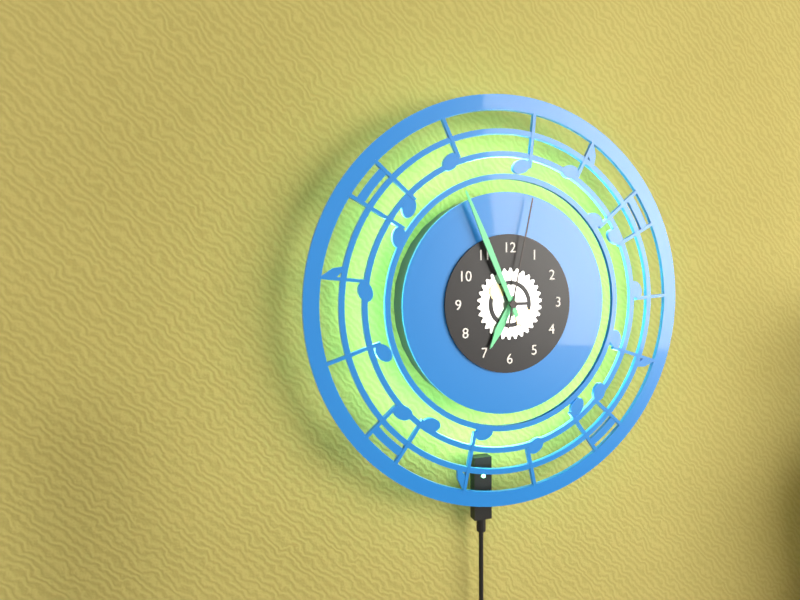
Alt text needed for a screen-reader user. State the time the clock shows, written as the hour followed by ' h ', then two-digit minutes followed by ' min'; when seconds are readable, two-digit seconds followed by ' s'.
6 h 56 min 02 s
